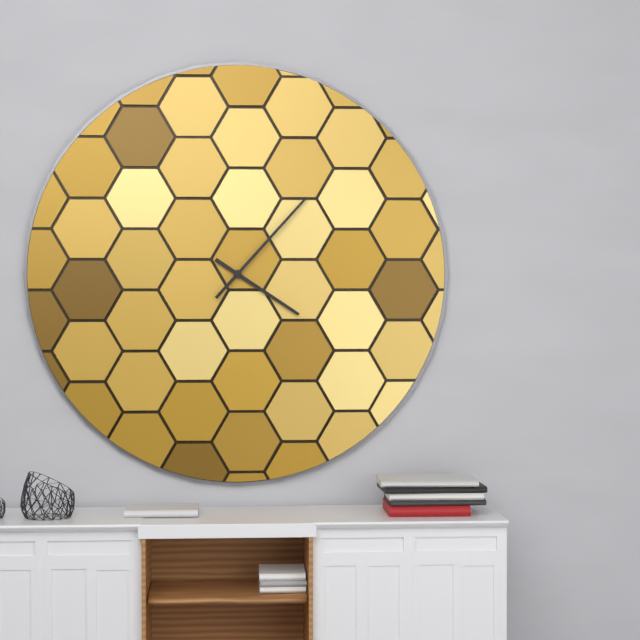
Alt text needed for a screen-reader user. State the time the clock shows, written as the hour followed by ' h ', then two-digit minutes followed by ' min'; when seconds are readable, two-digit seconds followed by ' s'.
4 h 07 min
